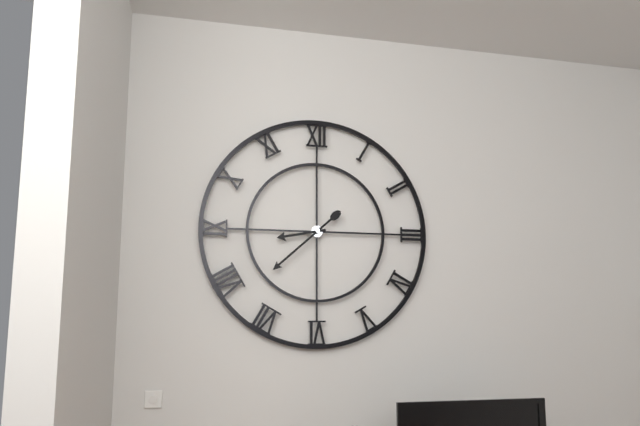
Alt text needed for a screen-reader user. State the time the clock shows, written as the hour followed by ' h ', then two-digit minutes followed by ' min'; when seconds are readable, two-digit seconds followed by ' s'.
8 h 38 min
